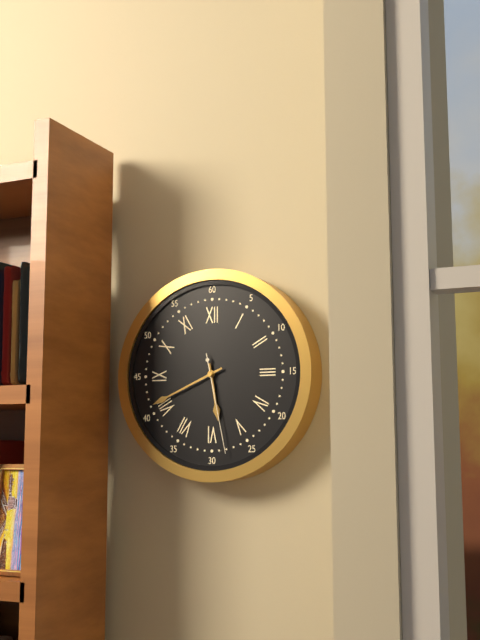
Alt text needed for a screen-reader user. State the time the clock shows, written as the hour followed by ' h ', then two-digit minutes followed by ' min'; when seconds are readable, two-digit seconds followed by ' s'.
5 h 41 min 28 s
